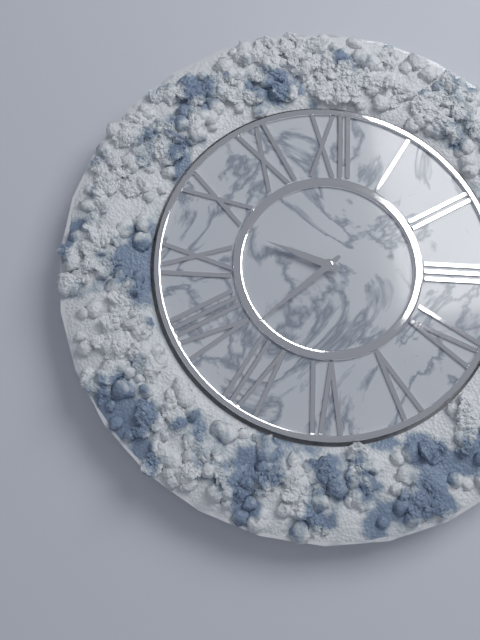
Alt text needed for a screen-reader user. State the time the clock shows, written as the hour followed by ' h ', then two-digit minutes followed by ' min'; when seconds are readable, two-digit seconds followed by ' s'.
9 h 38 min
